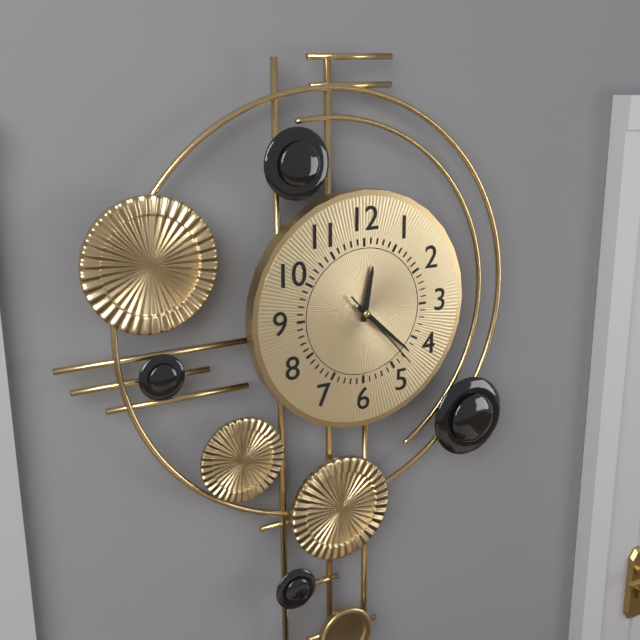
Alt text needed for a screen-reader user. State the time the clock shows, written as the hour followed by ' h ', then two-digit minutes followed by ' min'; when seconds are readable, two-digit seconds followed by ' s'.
12 h 22 min 23 s
